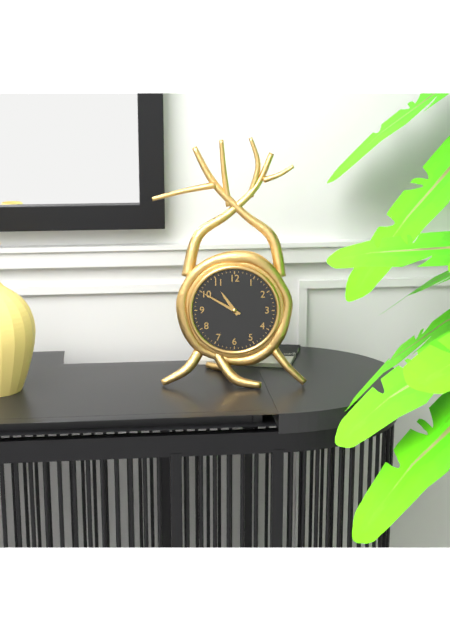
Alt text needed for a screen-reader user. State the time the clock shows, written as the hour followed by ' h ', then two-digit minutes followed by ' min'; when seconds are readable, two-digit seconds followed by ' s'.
10 h 50 min
